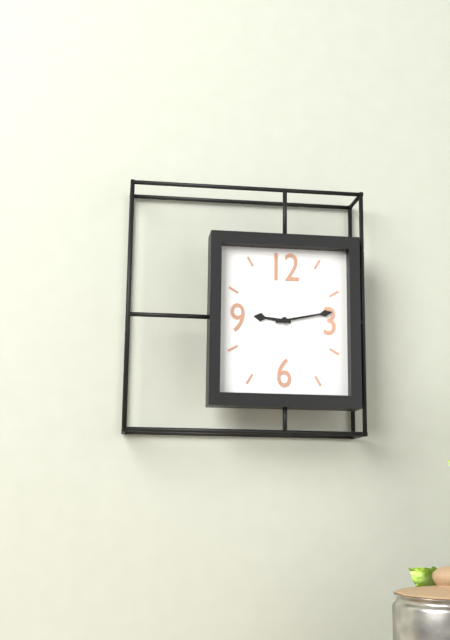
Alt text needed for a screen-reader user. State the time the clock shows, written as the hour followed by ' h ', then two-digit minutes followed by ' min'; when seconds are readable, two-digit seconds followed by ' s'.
9 h 13 min
